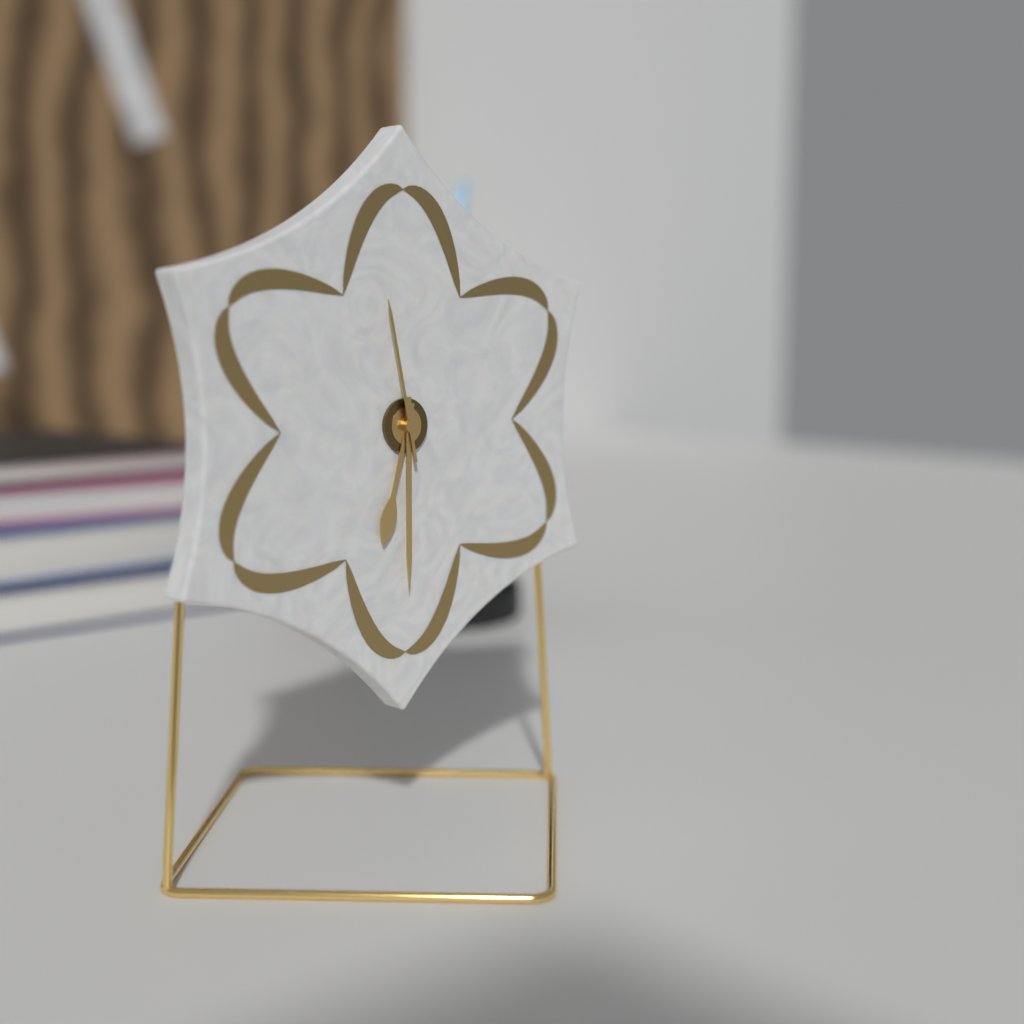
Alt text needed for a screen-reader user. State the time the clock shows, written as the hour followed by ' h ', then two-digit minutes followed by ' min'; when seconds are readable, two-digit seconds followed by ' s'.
6 h 30 min 58 s
